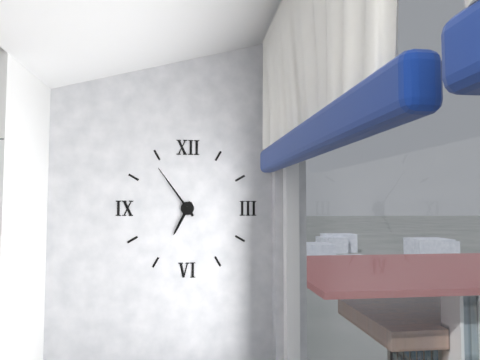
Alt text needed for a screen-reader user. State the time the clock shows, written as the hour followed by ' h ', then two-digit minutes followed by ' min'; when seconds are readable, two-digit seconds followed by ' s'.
6 h 54 min
